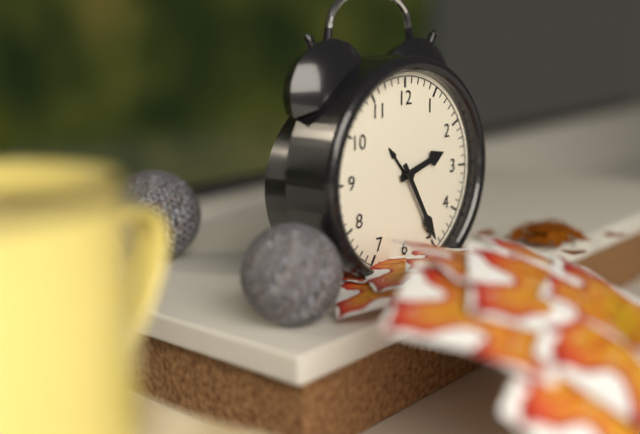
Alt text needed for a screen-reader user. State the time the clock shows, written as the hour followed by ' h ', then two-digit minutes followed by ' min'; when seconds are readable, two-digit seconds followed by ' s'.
2 h 25 min
